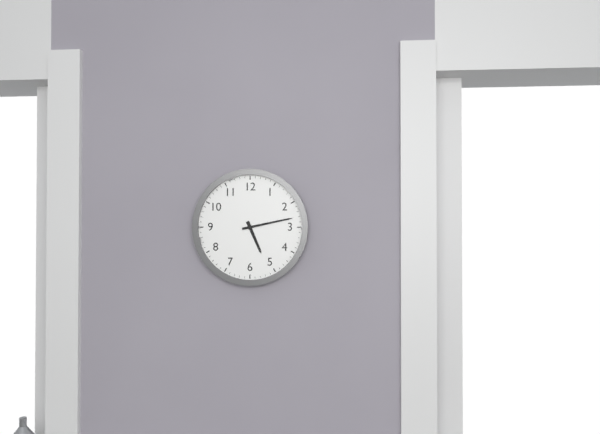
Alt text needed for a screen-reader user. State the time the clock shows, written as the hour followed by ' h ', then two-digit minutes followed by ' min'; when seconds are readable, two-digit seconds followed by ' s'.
5 h 13 min
